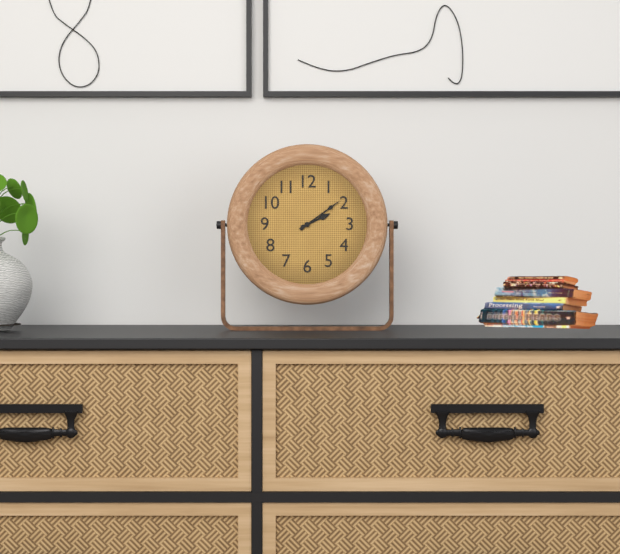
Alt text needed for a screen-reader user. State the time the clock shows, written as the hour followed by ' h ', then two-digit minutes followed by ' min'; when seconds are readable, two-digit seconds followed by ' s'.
2 h 09 min
